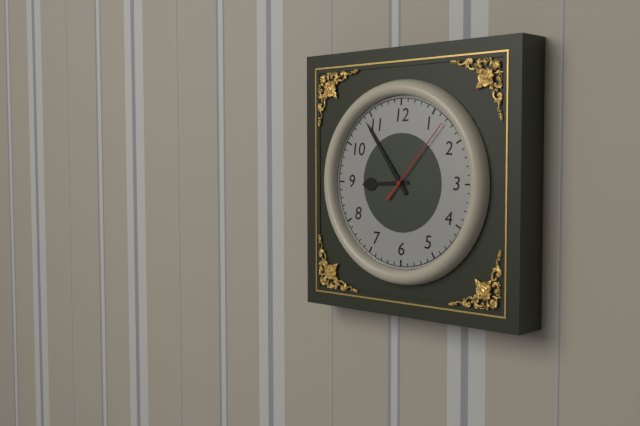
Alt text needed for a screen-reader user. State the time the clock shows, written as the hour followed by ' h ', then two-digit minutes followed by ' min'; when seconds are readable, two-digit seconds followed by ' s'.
8 h 54 min 07 s
